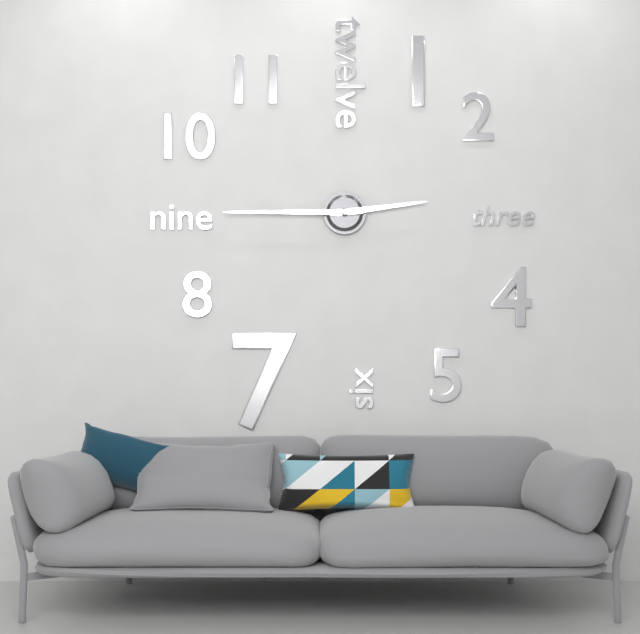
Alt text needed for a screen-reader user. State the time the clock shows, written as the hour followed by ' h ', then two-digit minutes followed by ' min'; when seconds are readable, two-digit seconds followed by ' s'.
2 h 45 min
